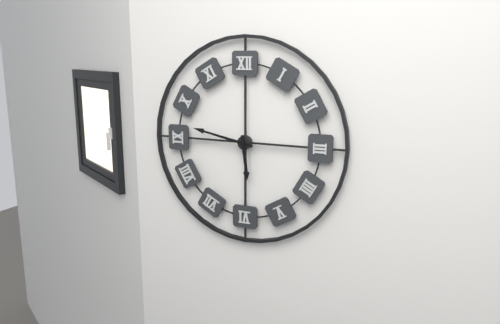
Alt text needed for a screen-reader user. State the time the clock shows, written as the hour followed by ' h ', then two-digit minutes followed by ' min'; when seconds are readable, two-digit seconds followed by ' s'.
5 h 47 min
